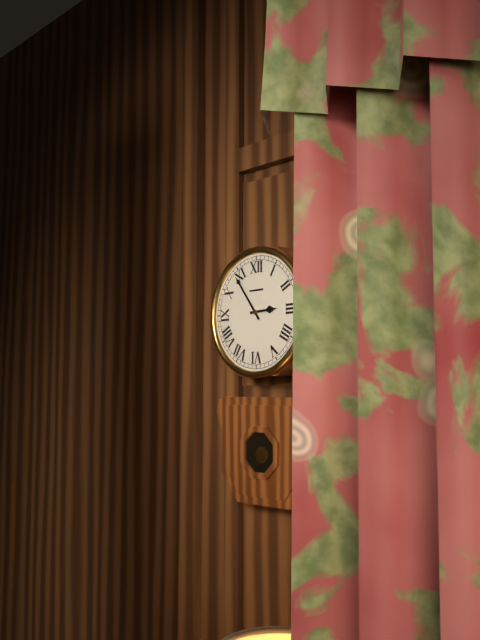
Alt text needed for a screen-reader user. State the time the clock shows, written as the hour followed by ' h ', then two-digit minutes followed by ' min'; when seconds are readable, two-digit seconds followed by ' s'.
2 h 54 min
